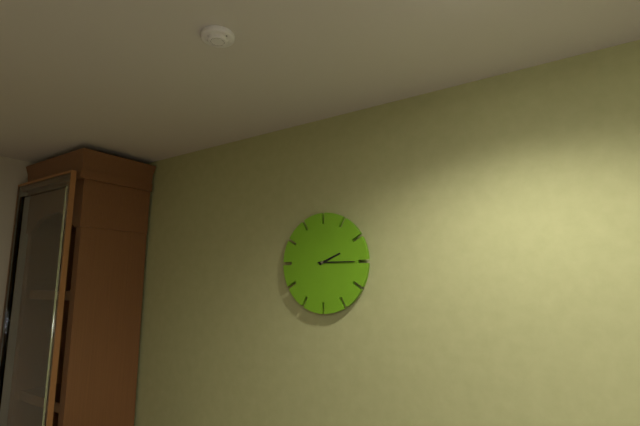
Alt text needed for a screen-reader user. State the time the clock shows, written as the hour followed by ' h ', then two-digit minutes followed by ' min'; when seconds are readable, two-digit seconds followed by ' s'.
2 h 15 min
